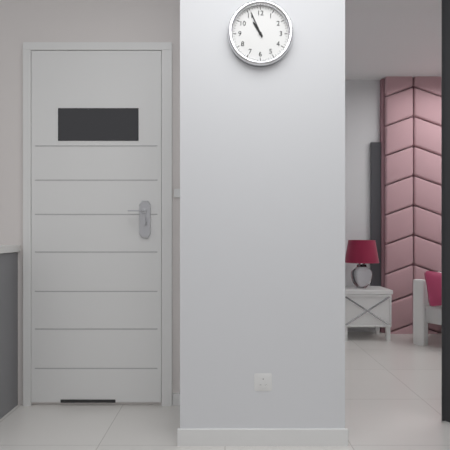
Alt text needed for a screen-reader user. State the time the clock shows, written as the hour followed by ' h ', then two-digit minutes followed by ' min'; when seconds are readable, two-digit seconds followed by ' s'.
10 h 56 min
